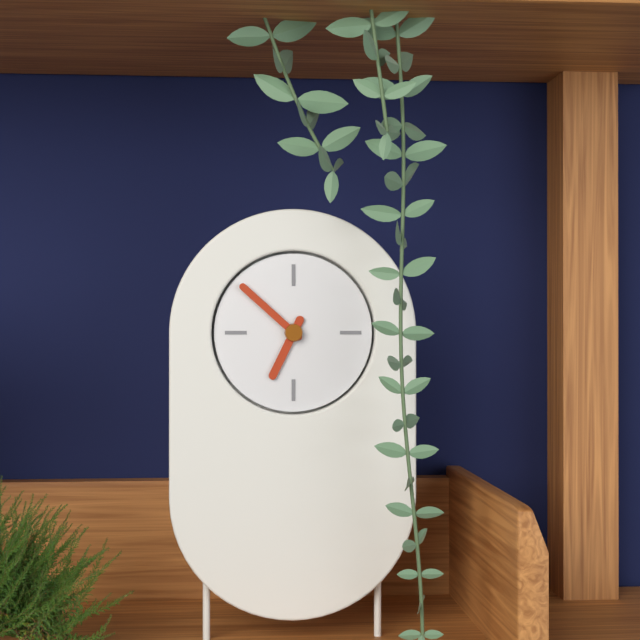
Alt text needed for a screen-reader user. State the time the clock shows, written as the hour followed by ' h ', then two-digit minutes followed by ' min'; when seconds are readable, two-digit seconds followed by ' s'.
6 h 52 min
